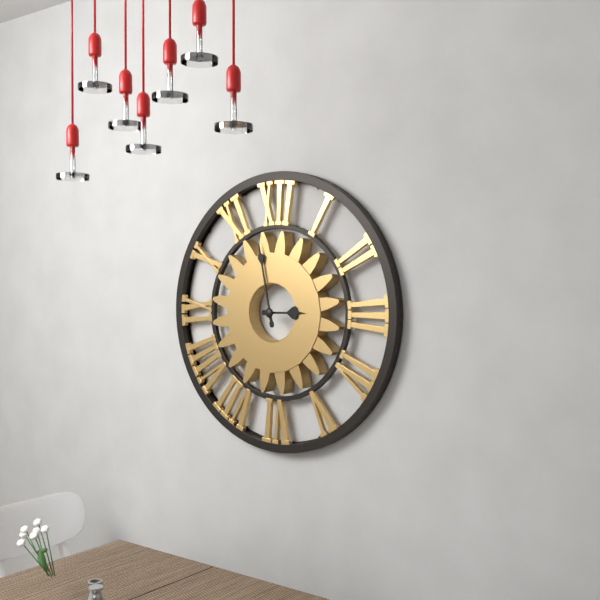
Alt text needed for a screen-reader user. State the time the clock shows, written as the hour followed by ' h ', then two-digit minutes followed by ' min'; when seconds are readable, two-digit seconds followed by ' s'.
2 h 58 min
